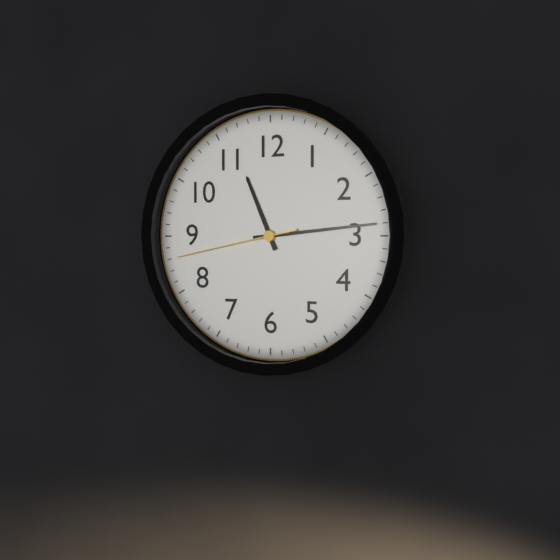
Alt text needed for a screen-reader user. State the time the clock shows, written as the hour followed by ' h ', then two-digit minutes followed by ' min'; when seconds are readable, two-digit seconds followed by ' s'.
11 h 14 min 43 s
